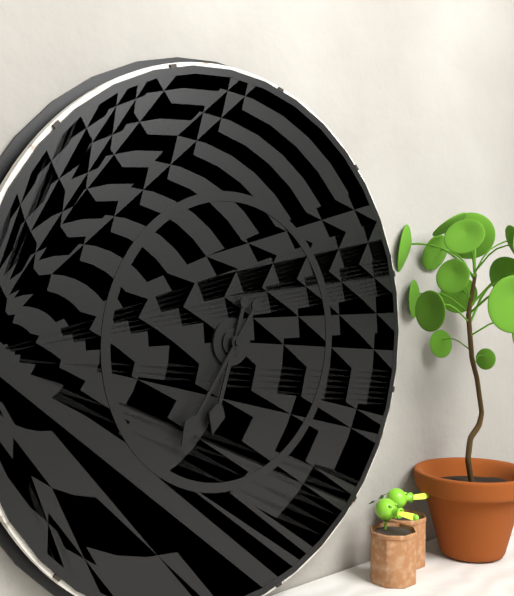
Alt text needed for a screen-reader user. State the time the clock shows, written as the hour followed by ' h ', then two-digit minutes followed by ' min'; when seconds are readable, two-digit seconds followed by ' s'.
6 h 36 min
